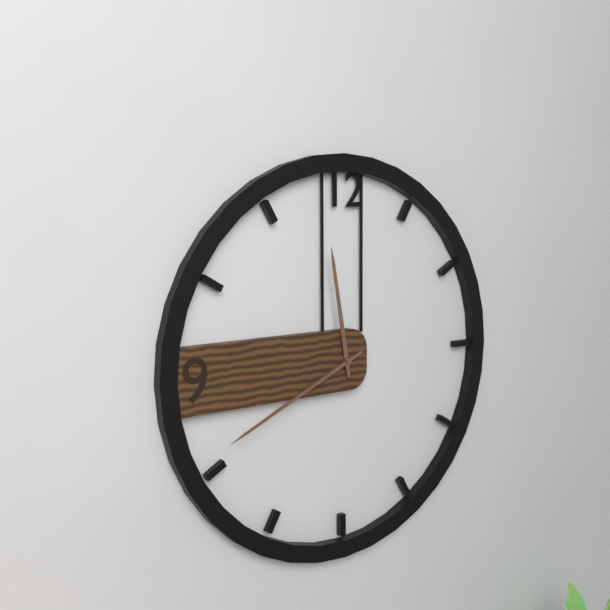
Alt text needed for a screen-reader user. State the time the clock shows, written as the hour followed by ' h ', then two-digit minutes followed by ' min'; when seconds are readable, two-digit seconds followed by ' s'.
11 h 41 min
